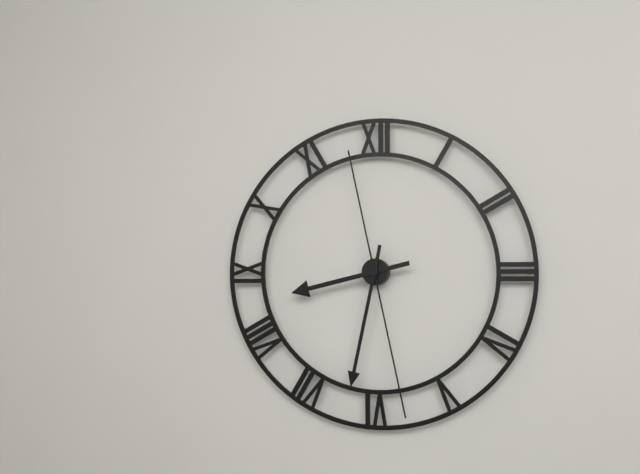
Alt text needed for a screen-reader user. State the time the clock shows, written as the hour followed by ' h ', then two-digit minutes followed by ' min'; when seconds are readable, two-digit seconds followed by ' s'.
8 h 32 min 28 s
